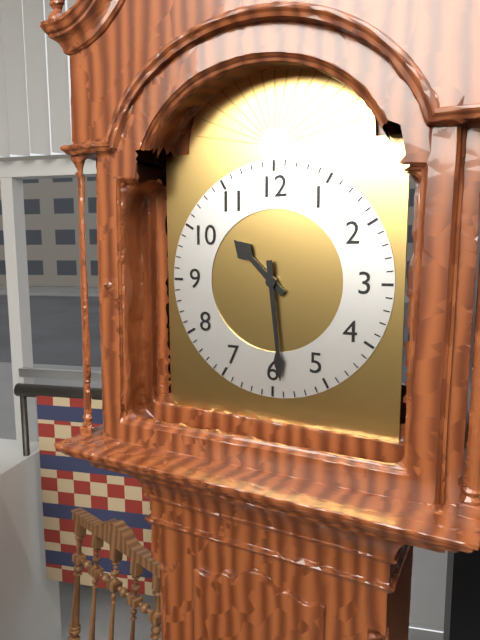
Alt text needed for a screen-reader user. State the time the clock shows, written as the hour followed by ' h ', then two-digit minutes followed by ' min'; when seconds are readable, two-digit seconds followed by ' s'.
10 h 29 min
